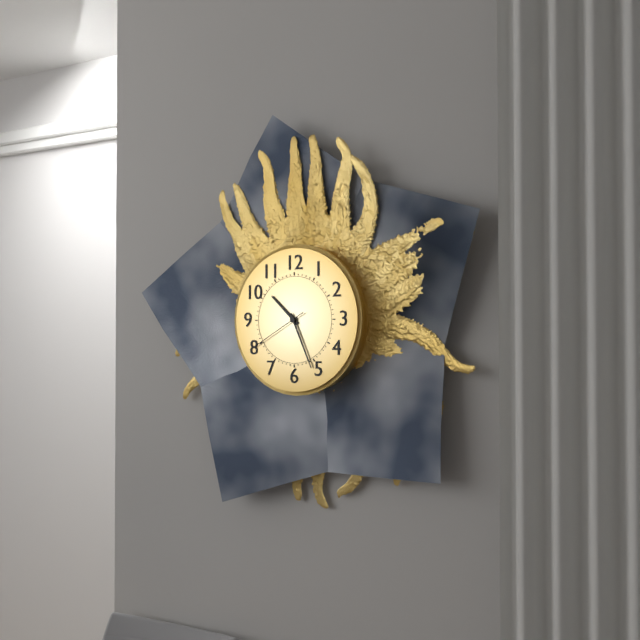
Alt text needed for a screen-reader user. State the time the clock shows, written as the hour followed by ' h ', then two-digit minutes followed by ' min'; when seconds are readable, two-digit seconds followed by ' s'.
10 h 26 min 40 s
